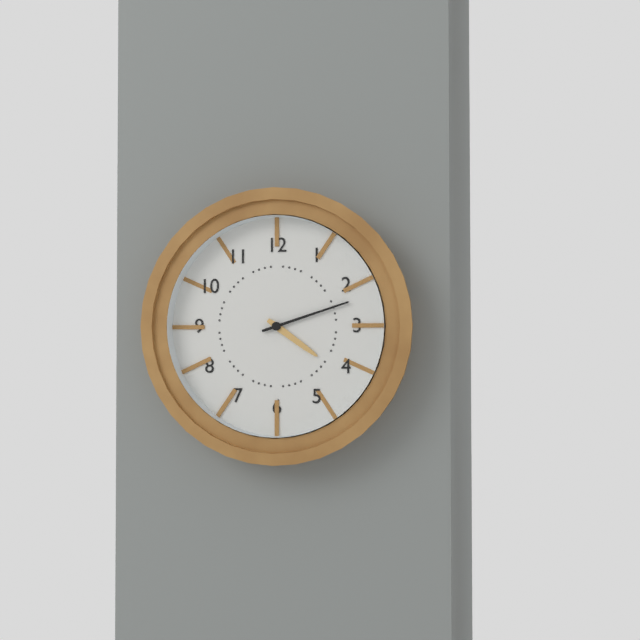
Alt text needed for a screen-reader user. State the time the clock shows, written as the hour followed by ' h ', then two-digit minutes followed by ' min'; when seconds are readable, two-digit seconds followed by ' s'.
4 h 12 min
